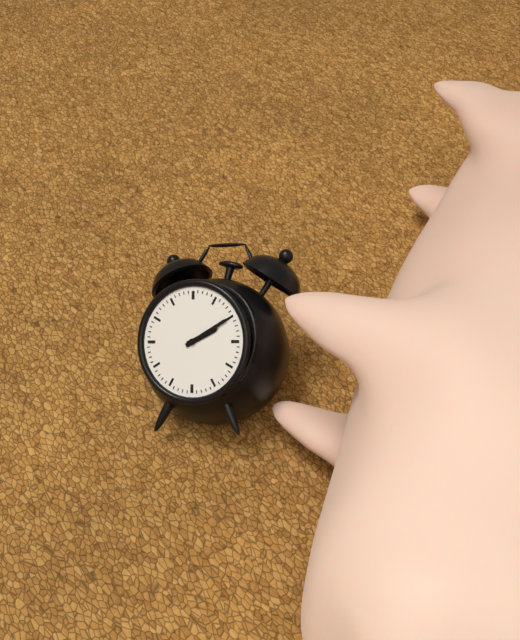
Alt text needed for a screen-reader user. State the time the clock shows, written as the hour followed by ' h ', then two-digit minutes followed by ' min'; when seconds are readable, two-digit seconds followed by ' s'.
2 h 10 min
